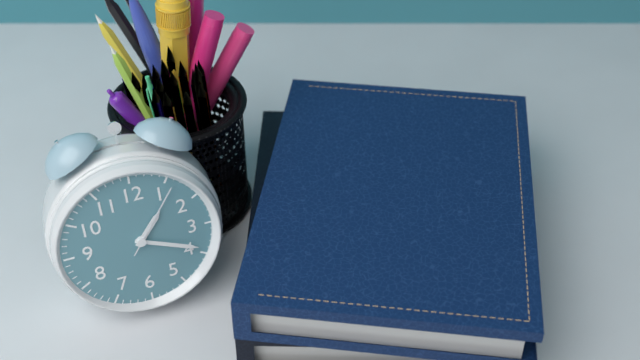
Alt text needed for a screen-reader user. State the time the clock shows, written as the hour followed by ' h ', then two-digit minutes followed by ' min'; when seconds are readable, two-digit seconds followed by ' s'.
1 h 19 min 06 s
